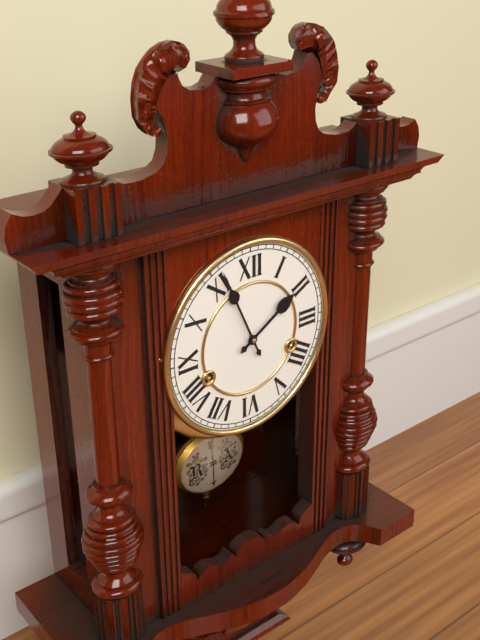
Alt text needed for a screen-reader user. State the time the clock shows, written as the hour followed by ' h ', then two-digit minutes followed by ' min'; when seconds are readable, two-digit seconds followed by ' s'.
1 h 56 min
